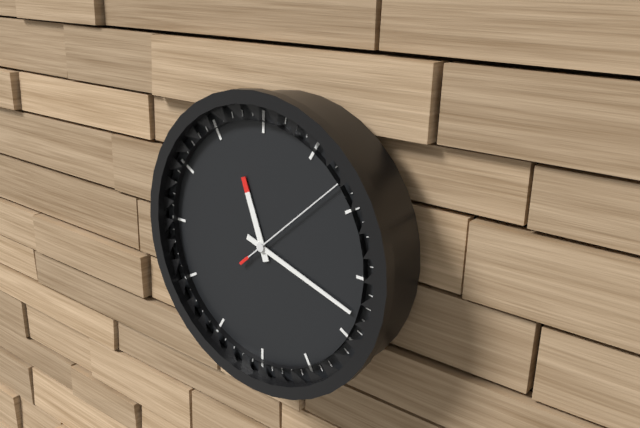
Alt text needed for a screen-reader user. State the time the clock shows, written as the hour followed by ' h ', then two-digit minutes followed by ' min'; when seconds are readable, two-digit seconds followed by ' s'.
11 h 18 min 08 s
